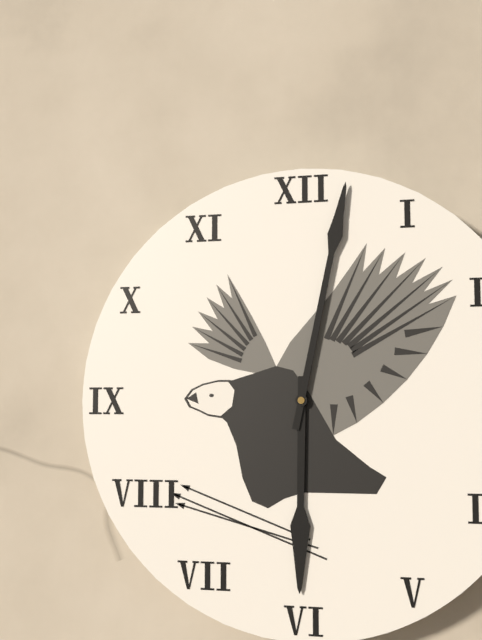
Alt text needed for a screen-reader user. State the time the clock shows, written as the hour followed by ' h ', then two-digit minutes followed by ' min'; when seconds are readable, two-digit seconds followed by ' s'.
6 h 02 min
